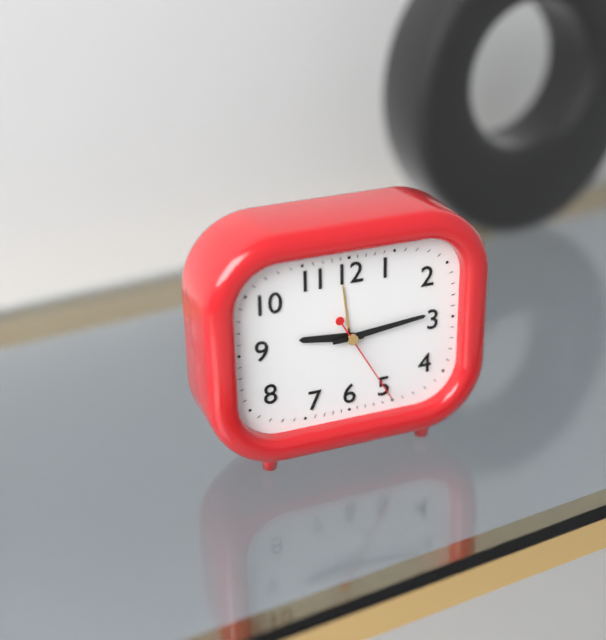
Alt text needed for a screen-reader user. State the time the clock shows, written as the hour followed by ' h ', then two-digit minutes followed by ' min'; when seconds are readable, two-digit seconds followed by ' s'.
9 h 14 min 25 s
